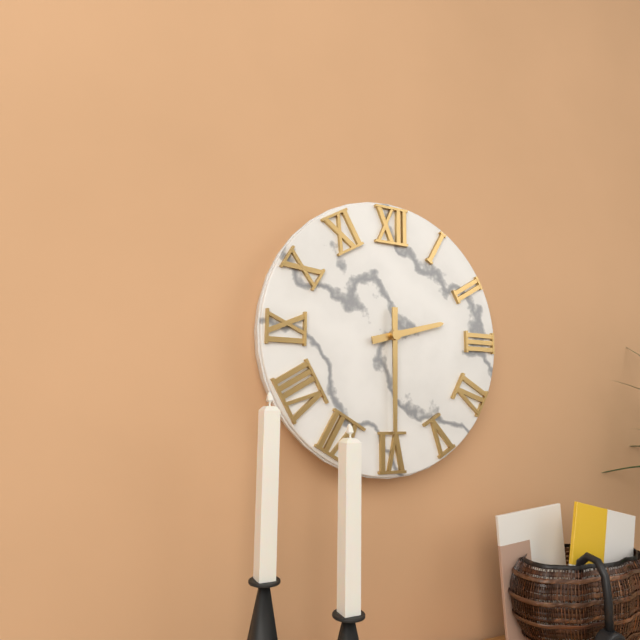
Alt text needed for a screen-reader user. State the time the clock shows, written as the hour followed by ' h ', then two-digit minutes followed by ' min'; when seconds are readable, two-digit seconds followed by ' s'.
2 h 30 min
